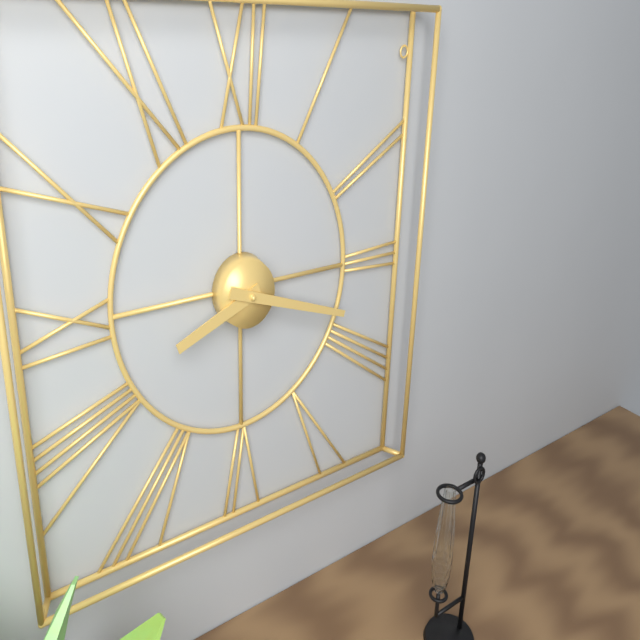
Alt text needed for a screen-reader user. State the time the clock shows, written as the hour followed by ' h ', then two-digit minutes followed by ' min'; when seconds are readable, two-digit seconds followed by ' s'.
8 h 18 min
